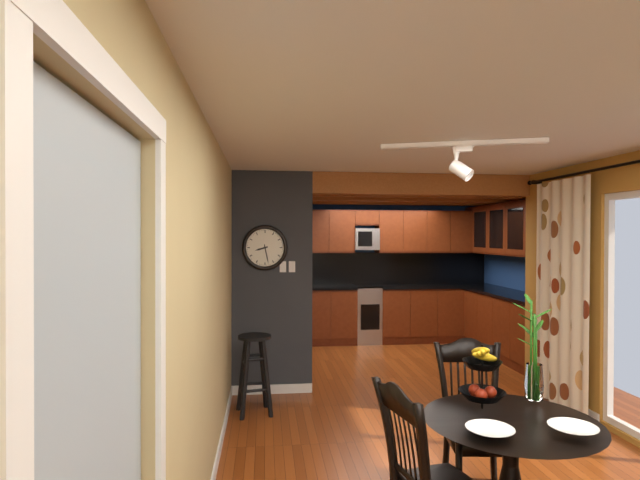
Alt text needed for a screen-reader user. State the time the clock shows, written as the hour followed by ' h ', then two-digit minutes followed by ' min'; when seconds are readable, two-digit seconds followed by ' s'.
8 h 28 min
